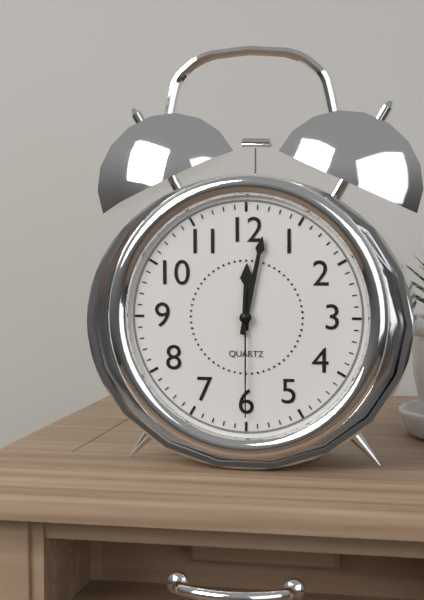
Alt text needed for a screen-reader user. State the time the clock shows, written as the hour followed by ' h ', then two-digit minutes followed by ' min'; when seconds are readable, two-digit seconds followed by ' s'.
12 h 02 min 30 s
